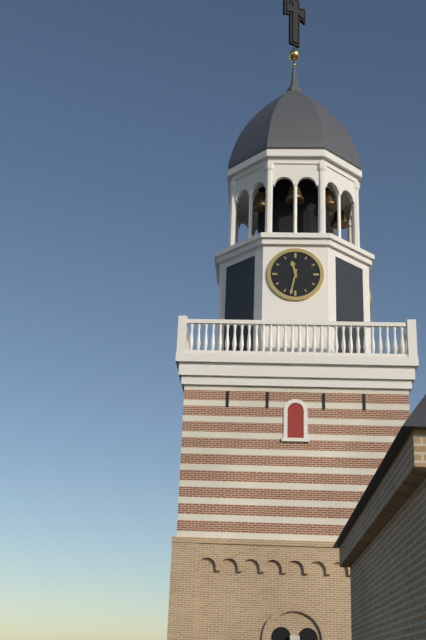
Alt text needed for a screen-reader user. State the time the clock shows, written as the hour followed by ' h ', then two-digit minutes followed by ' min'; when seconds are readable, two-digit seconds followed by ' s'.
11 h 32 min
